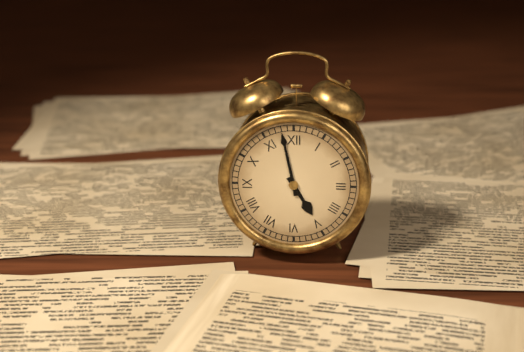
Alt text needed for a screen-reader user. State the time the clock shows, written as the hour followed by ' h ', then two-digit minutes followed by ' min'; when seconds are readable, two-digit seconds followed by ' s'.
4 h 58 min
